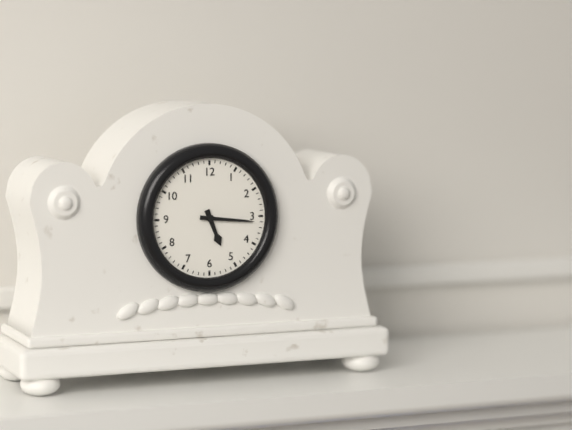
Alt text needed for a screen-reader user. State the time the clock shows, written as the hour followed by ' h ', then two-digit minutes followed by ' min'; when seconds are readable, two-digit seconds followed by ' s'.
5 h 16 min
